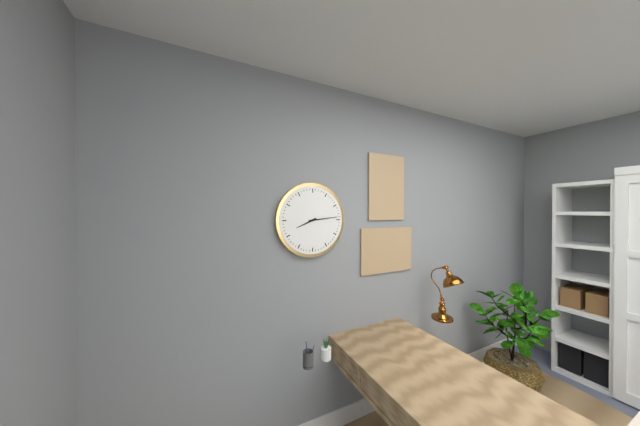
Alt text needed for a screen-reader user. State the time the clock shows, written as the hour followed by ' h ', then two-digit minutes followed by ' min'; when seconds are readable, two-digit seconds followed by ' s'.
8 h 14 min
